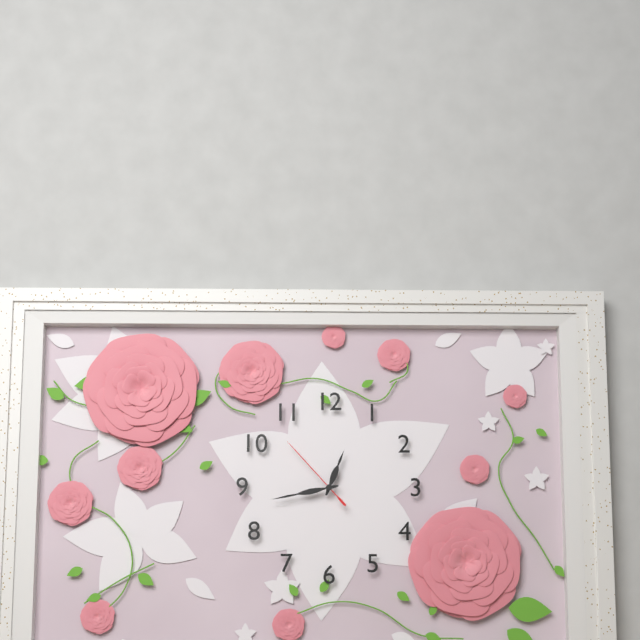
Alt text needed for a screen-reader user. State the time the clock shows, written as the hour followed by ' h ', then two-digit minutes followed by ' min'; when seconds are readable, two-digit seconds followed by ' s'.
12 h 43 min 53 s
